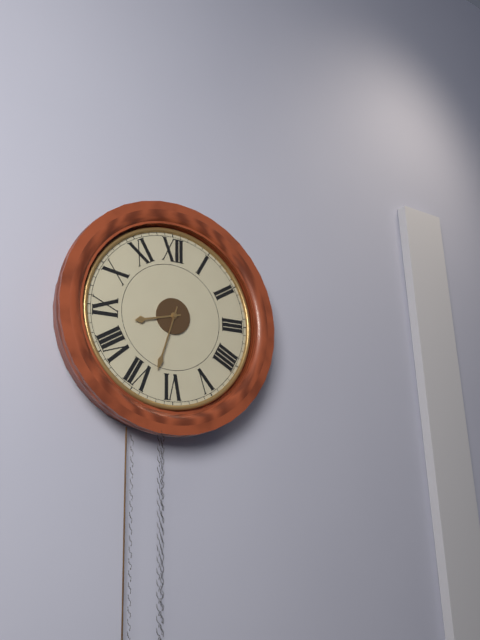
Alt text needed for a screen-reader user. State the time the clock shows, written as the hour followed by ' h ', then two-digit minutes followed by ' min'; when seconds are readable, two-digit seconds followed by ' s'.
8 h 33 min
